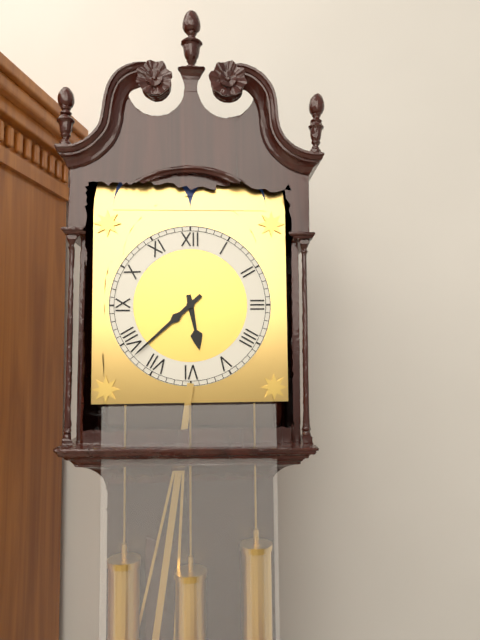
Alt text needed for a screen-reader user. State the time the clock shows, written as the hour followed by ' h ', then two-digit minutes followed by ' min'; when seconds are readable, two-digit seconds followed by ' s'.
5 h 38 min
